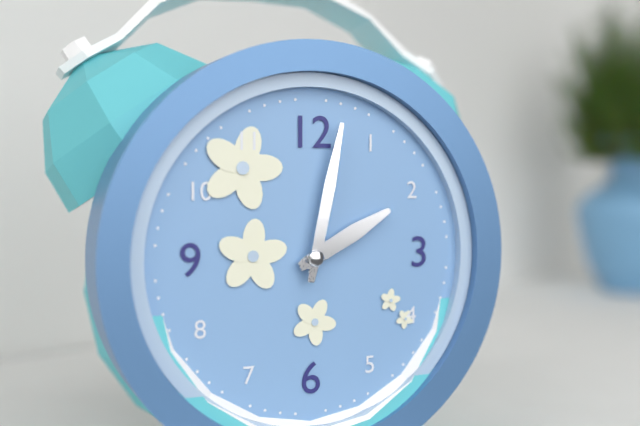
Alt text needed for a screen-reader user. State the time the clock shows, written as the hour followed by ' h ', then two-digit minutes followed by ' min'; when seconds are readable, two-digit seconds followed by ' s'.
2 h 02 min
